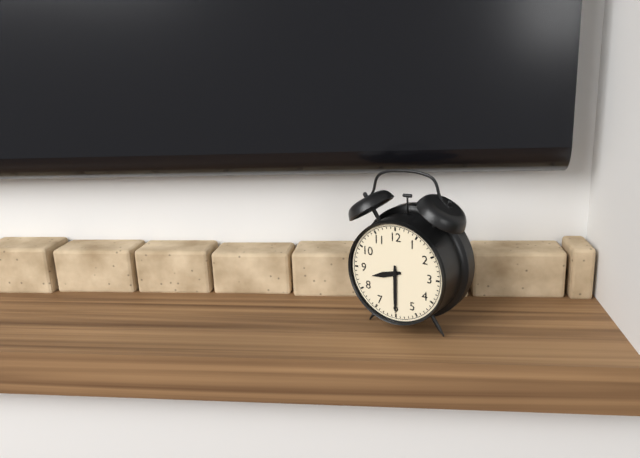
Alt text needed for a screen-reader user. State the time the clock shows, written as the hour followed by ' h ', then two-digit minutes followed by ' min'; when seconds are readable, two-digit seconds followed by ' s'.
8 h 30 min
